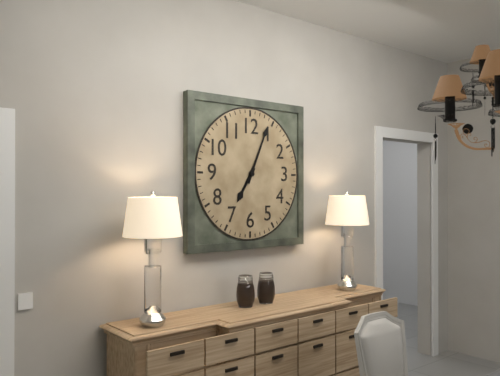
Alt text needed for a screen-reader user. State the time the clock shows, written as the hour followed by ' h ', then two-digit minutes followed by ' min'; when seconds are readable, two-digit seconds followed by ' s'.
7 h 04 min
